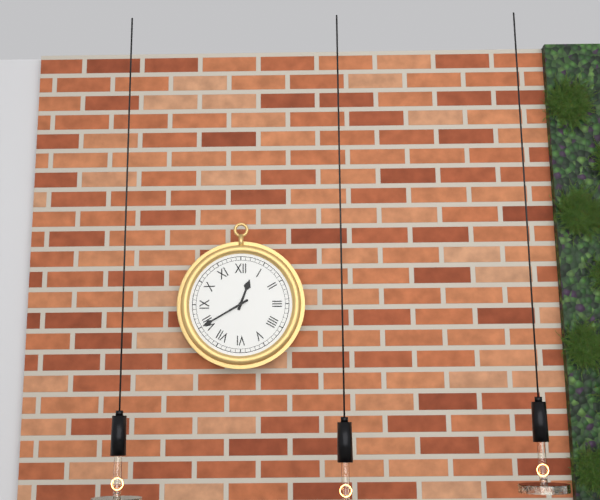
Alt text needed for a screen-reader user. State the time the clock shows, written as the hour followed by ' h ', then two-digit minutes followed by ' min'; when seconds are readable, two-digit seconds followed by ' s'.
12 h 40 min
